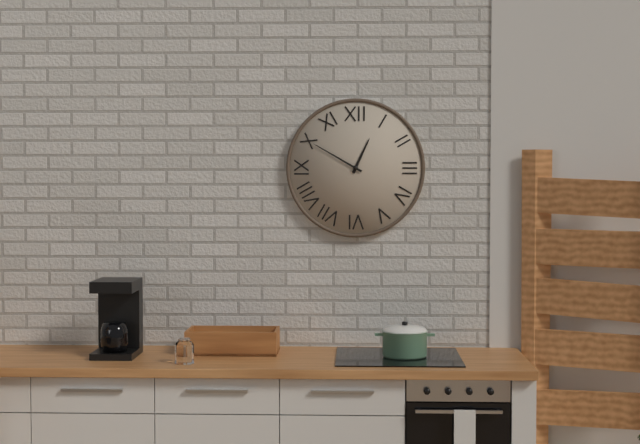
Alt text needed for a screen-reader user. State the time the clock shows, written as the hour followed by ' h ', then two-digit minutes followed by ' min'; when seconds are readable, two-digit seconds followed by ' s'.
12 h 50 min
